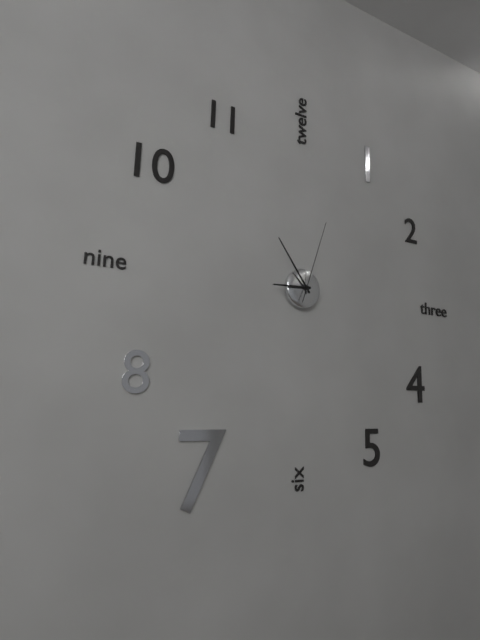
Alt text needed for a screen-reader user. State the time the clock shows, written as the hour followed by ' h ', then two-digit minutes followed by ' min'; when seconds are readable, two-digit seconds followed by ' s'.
8 h 54 min 03 s
